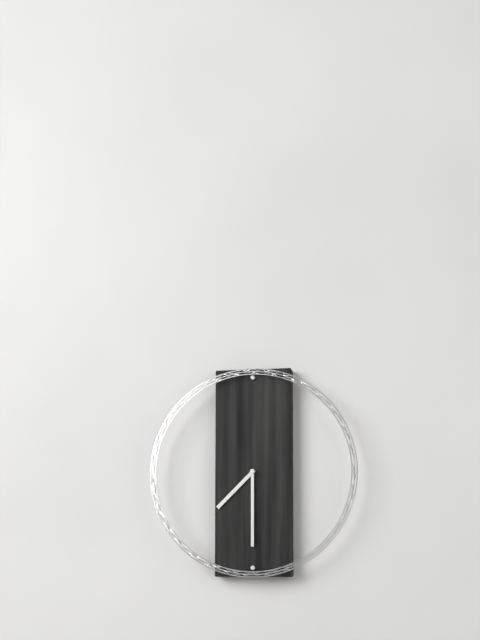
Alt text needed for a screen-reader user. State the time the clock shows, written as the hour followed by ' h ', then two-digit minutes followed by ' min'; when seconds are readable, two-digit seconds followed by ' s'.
7 h 30 min
